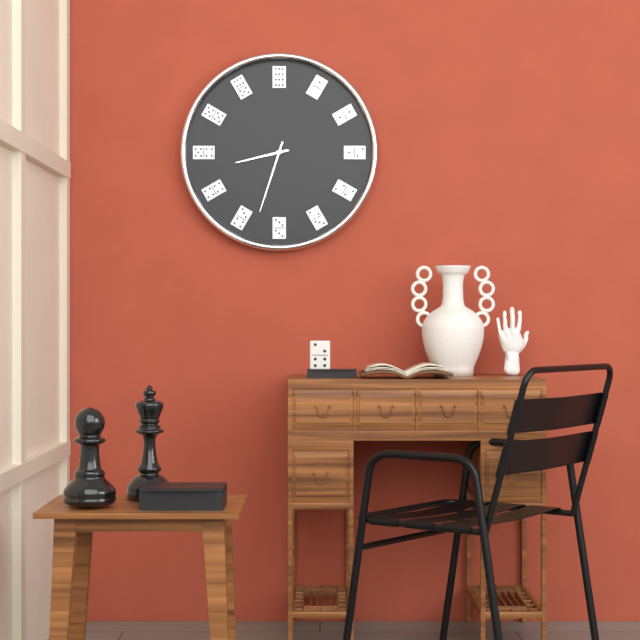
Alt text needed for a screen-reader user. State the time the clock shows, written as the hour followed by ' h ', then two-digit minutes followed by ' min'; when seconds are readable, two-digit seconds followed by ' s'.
8 h 33 min
